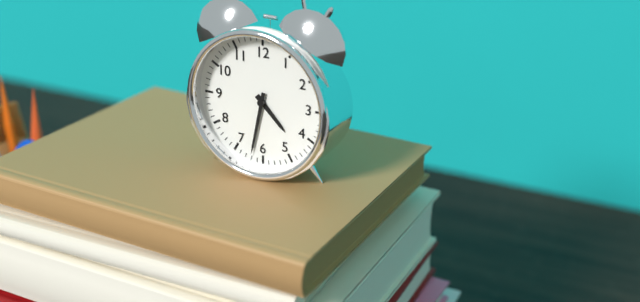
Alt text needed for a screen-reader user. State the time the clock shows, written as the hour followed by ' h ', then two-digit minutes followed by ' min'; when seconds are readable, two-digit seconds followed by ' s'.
4 h 32 min
